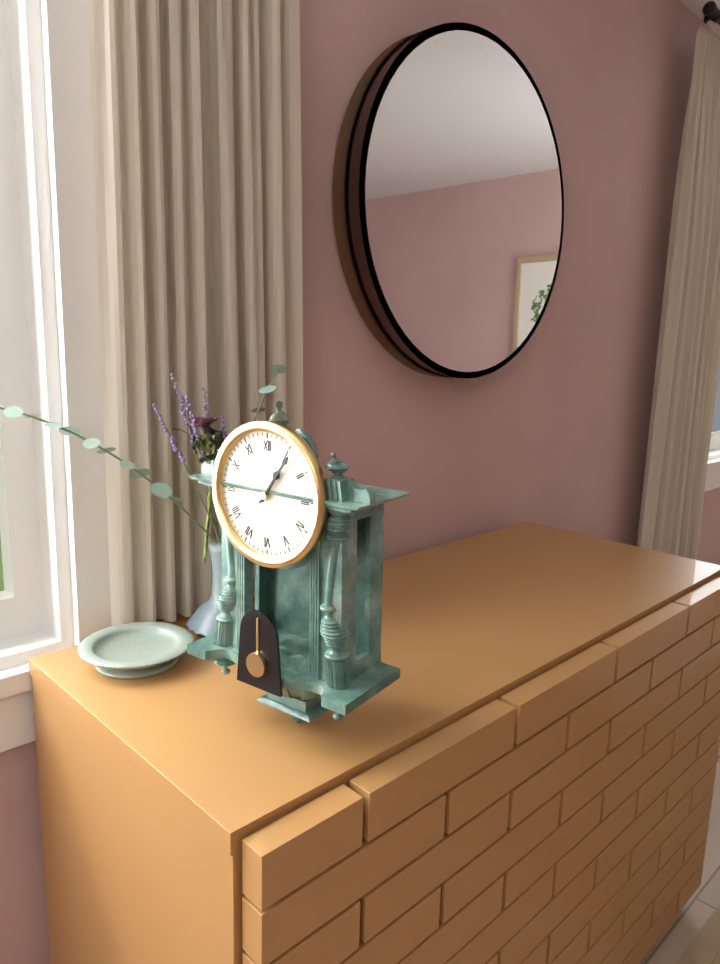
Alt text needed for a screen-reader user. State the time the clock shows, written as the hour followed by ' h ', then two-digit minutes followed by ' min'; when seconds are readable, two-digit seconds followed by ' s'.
1 h 06 min
